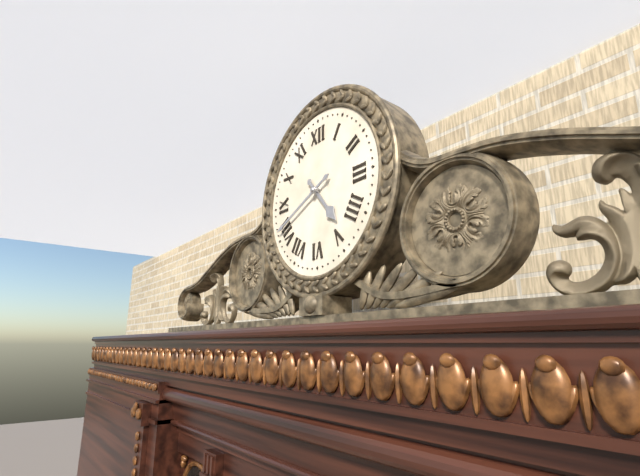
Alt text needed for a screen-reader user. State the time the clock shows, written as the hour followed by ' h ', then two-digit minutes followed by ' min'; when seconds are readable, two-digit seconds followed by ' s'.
4 h 41 min
